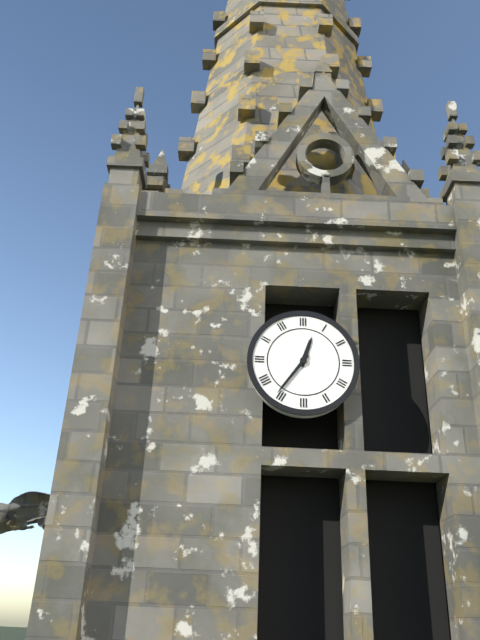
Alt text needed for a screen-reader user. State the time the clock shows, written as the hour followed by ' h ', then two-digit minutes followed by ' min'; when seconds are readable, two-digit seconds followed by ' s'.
12 h 36 min
